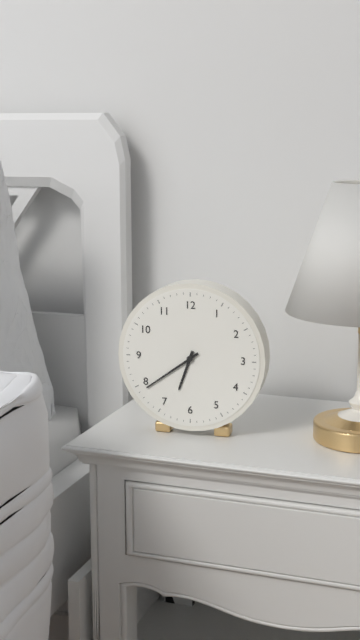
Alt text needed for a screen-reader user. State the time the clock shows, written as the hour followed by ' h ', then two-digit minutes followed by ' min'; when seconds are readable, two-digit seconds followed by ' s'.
6 h 39 min
